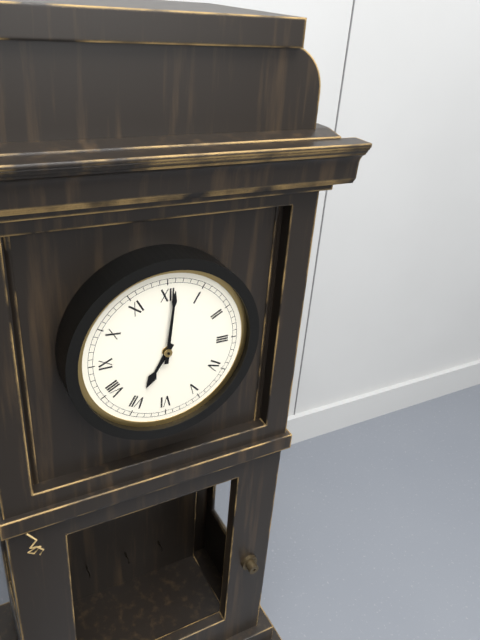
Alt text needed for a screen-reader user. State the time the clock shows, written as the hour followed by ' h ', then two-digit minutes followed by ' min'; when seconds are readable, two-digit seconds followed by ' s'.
7 h 01 min
